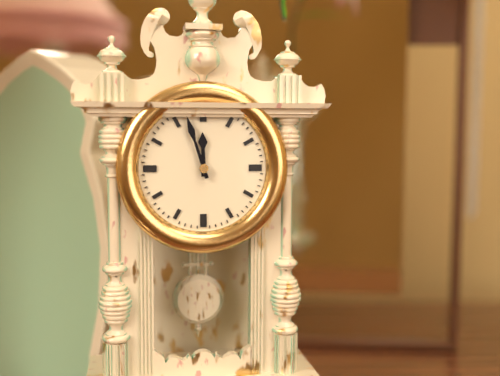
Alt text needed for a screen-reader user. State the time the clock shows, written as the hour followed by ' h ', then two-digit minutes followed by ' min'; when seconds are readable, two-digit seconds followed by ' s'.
11 h 57 min
